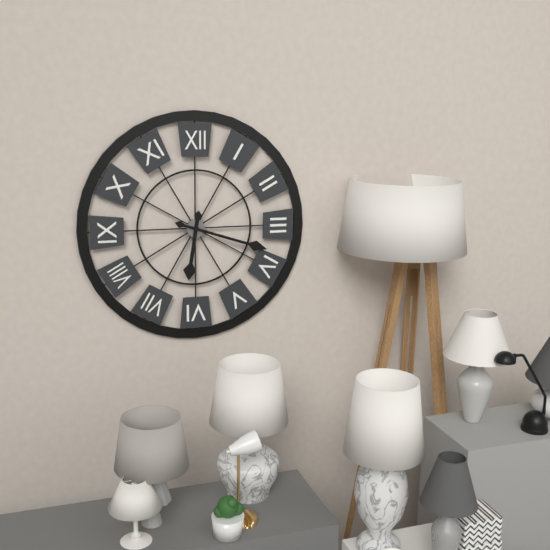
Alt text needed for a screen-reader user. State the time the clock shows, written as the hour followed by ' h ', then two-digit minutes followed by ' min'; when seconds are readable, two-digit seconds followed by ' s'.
6 h 18 min
